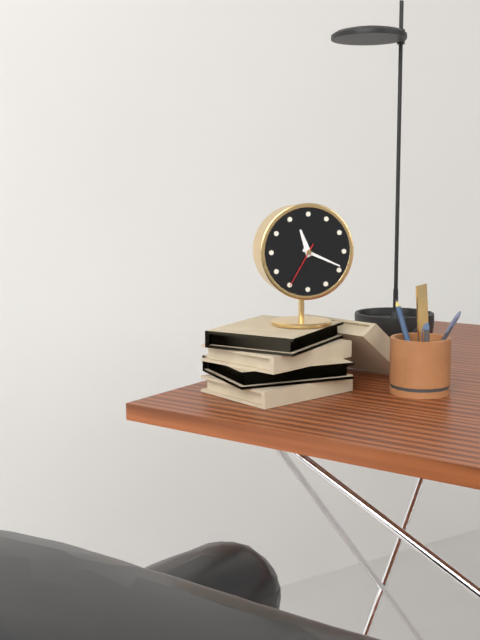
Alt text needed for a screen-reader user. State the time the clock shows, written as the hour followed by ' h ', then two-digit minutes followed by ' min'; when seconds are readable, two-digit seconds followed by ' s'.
11 h 19 min
